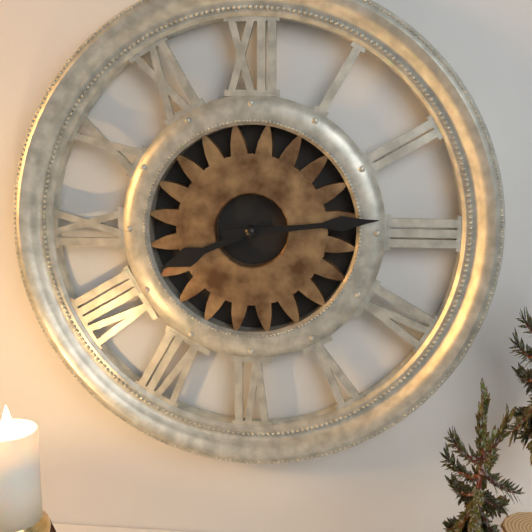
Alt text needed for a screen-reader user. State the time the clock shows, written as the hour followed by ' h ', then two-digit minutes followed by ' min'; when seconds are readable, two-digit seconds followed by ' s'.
8 h 14 min
